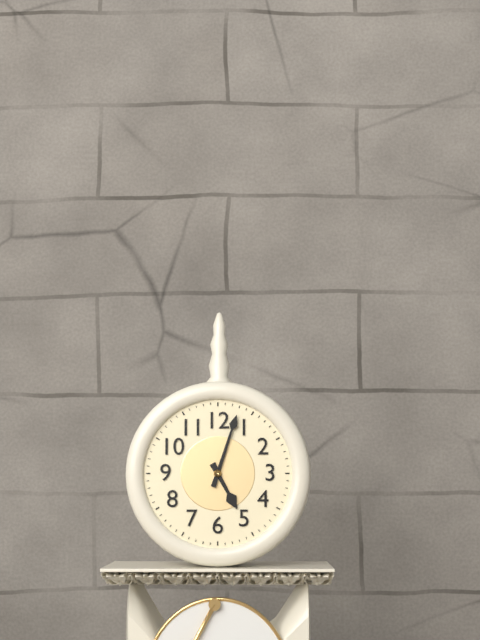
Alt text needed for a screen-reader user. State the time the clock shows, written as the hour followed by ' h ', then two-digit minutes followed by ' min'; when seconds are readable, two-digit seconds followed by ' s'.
5 h 03 min
